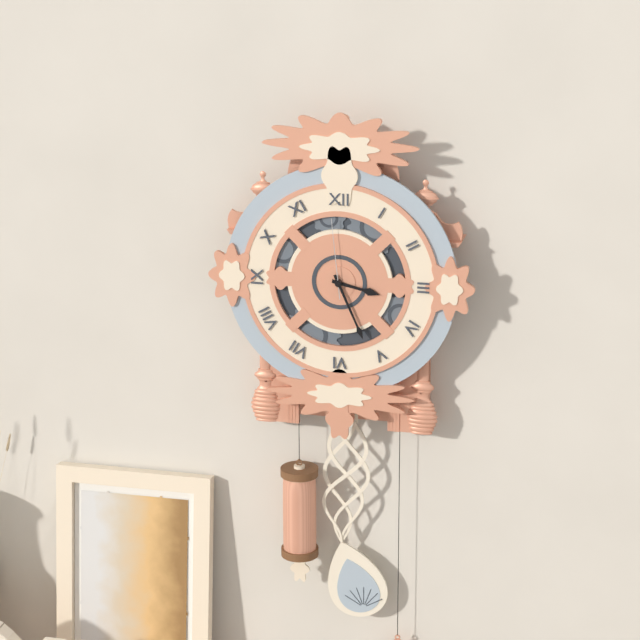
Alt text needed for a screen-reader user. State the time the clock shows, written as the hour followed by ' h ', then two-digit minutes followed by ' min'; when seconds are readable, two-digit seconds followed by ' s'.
3 h 26 min 59 s
